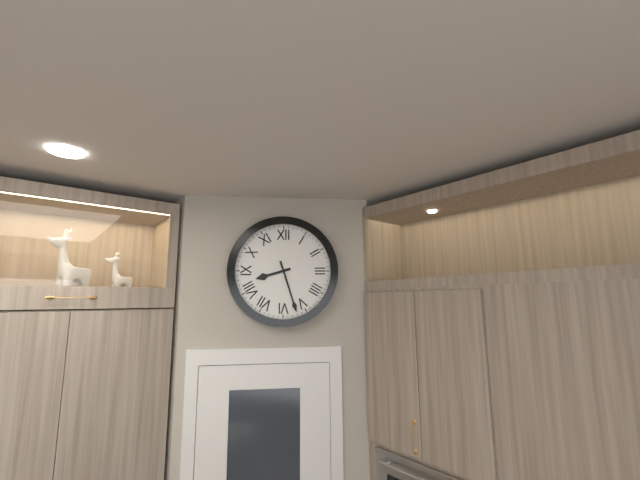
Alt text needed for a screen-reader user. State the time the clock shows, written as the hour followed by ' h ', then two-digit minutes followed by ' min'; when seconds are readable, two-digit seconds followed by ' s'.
8 h 27 min
